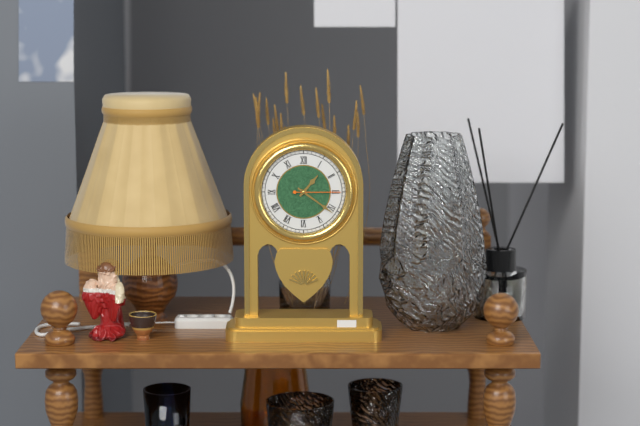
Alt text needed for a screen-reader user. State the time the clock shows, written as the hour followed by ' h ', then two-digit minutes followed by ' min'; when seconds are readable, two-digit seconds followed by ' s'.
1 h 21 min
